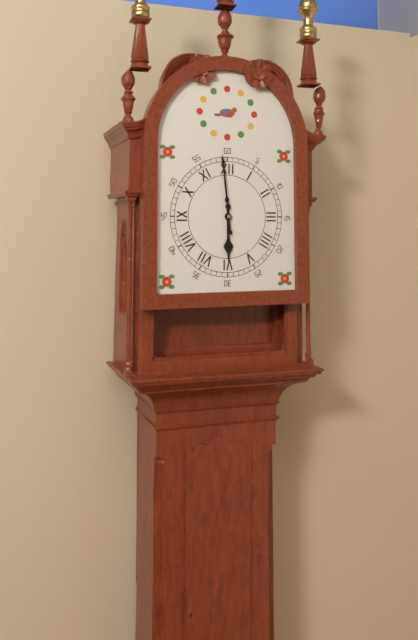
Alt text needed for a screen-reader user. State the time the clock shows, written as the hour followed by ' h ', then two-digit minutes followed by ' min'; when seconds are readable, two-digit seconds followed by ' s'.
5 h 59 min
